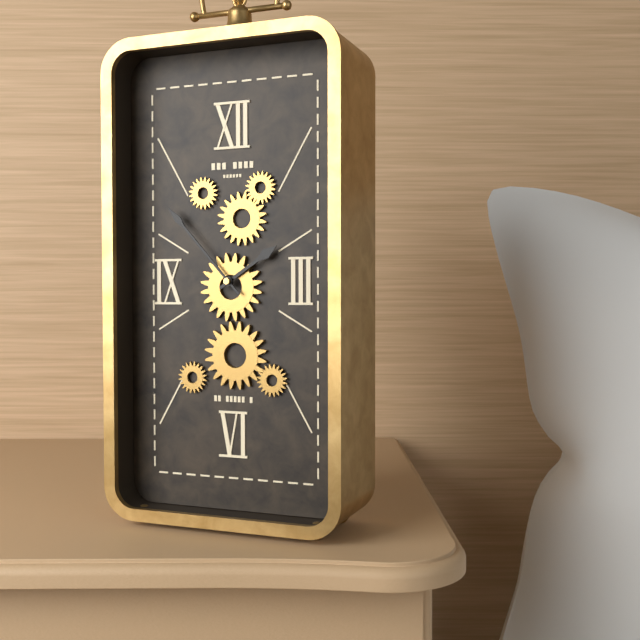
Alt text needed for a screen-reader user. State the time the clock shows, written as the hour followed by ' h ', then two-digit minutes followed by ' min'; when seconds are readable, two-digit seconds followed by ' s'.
1 h 53 min
